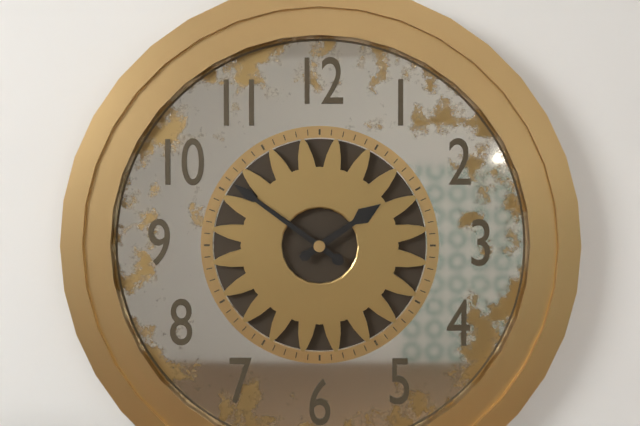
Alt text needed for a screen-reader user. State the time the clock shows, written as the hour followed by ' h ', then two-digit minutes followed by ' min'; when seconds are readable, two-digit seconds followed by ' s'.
1 h 51 min
